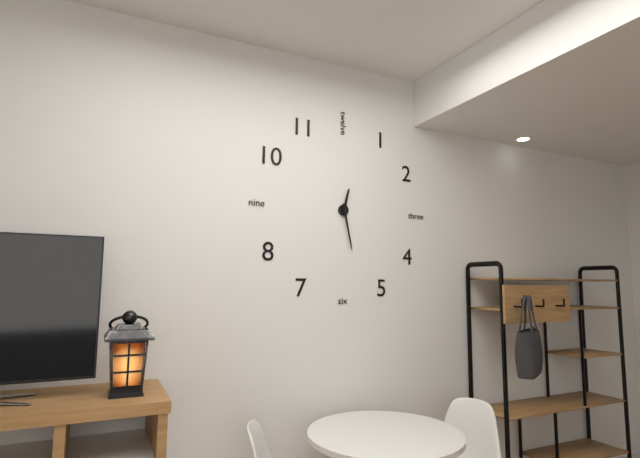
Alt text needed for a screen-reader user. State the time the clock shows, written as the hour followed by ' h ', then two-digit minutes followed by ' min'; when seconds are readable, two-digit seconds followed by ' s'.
12 h 28 min
